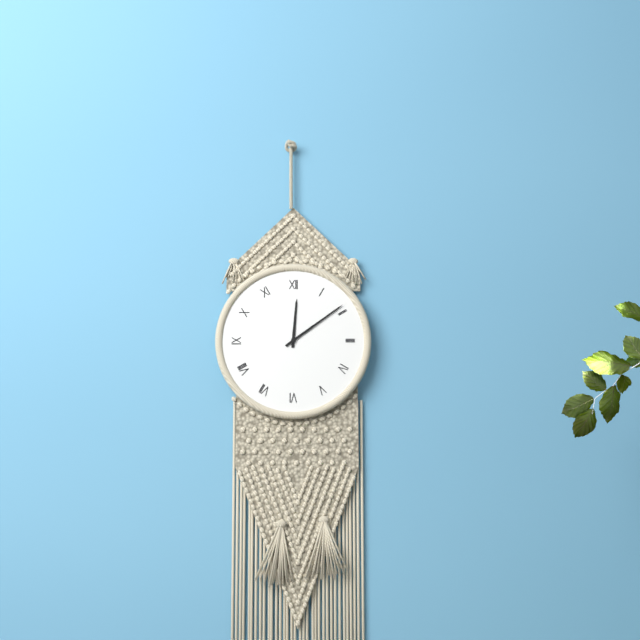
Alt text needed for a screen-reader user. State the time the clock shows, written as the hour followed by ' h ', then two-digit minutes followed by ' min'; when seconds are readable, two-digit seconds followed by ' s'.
12 h 09 min
